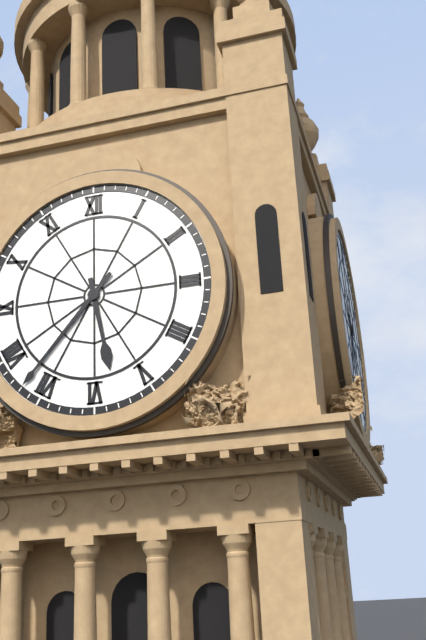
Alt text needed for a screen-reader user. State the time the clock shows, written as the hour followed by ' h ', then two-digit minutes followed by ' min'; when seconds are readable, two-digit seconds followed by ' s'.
5 h 37 min
